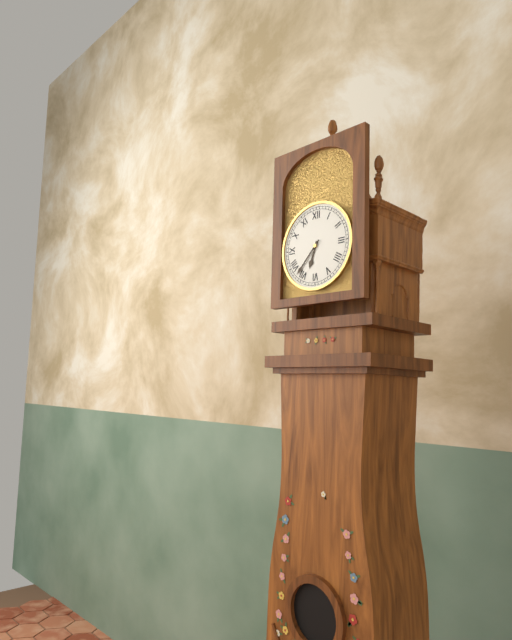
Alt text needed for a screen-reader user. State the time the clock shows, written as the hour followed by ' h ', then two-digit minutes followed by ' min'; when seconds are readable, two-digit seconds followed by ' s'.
6 h 37 min
